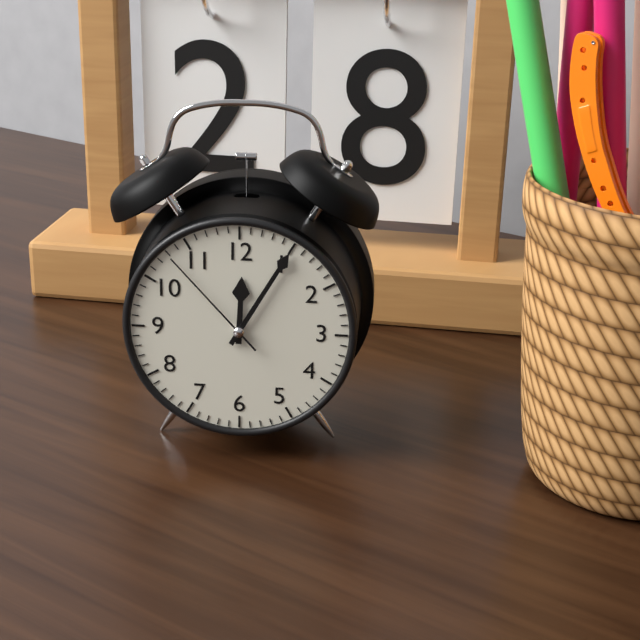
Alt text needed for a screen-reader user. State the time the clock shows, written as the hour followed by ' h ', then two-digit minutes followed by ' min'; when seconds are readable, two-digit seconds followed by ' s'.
12 h 05 min 53 s
